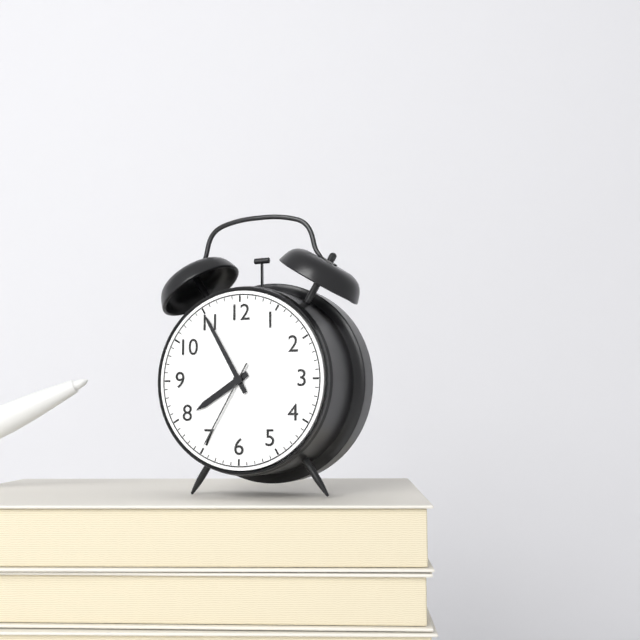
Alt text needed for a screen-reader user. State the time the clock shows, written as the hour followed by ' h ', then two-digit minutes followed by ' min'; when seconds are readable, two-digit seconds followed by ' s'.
7 h 55 min 35 s
